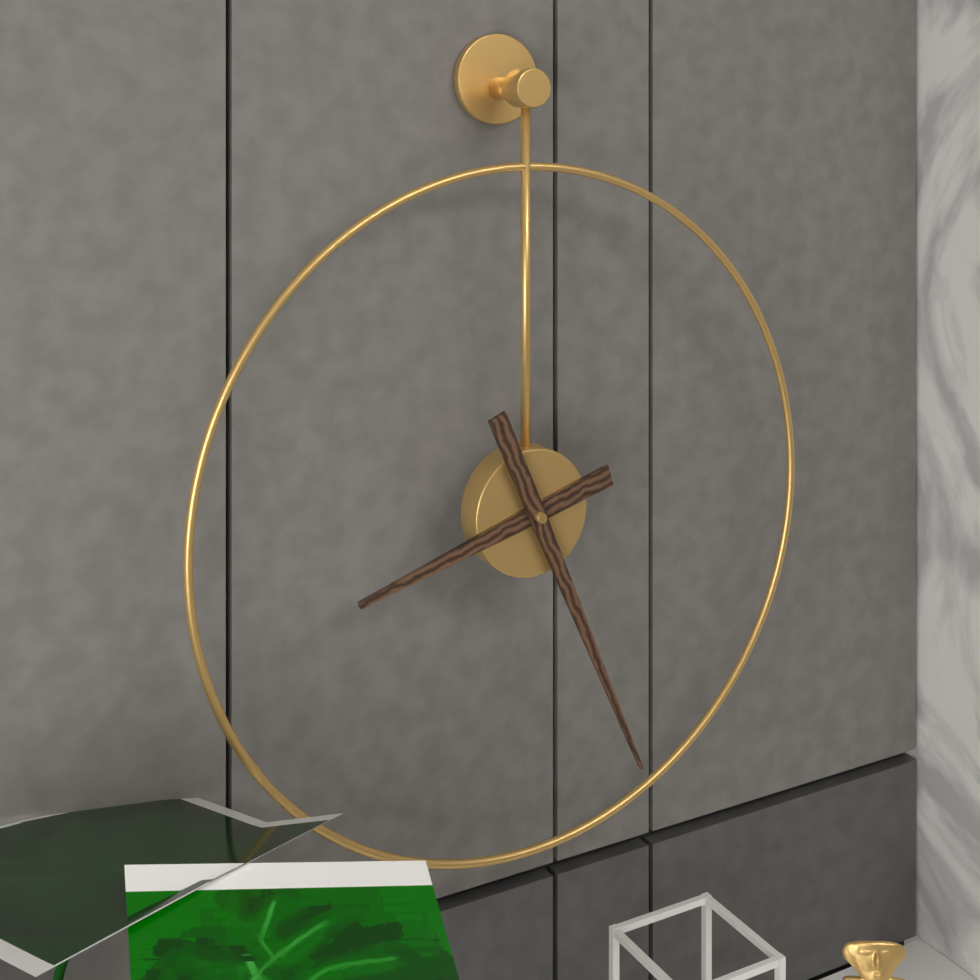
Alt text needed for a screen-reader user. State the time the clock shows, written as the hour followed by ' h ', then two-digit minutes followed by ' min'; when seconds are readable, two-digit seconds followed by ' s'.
8 h 26 min
